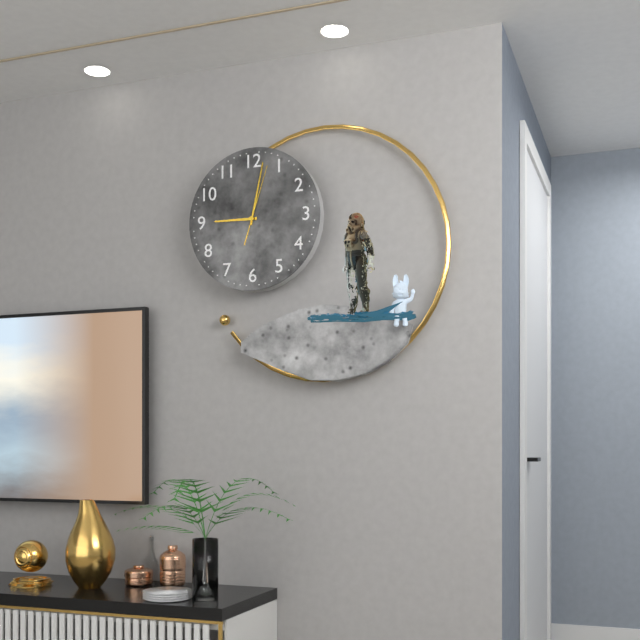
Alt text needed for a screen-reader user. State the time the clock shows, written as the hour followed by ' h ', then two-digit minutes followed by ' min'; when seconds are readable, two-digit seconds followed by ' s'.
9 h 02 min 03 s
